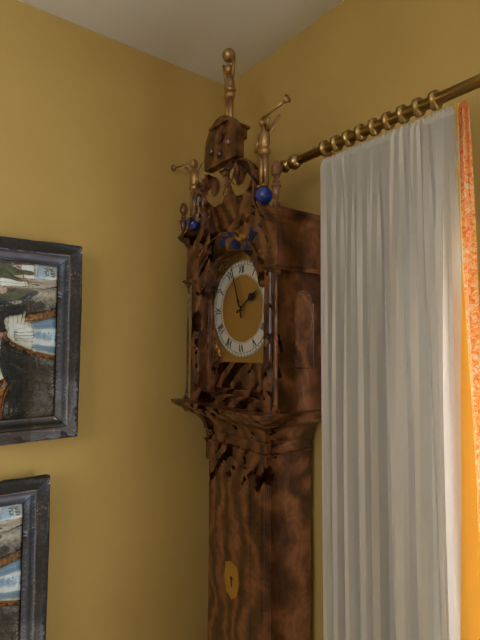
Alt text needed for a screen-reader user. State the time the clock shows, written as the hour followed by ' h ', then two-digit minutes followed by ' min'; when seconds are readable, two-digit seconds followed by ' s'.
1 h 57 min
